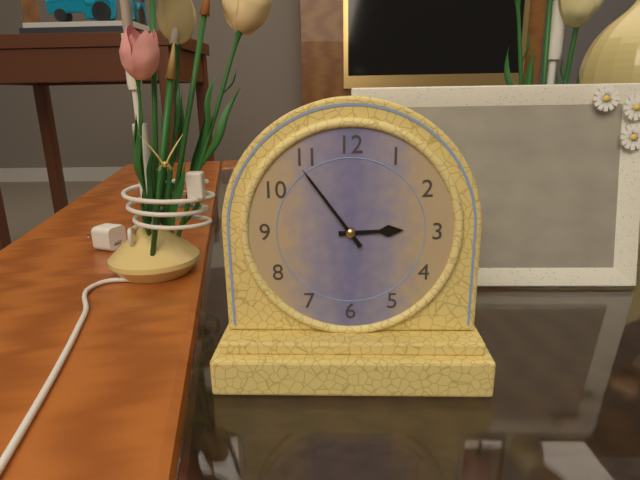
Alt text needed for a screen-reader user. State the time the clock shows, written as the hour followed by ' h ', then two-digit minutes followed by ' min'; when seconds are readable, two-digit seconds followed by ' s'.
2 h 54 min
